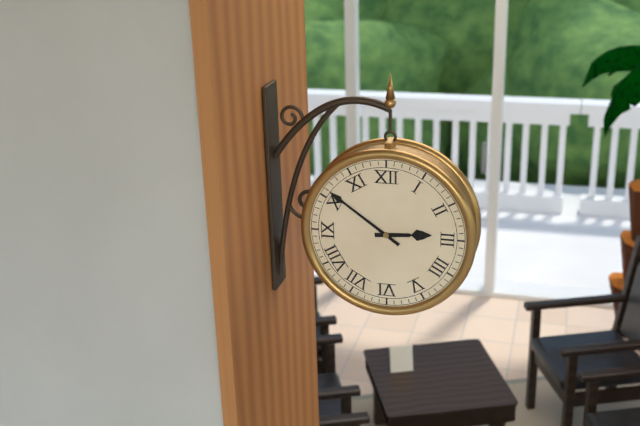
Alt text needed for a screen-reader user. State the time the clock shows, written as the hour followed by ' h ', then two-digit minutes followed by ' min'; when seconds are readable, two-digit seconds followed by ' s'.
2 h 51 min
